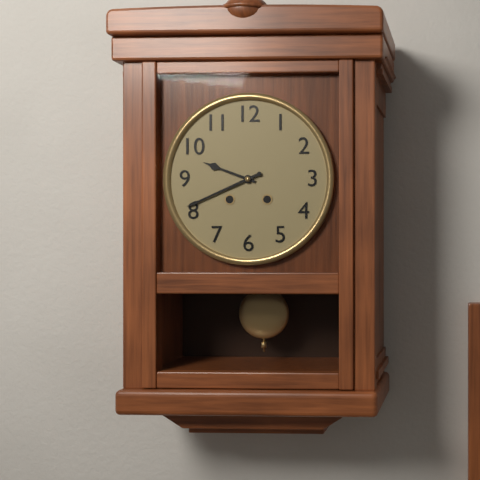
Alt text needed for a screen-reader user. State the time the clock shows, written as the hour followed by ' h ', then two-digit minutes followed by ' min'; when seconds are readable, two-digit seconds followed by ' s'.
9 h 41 min
